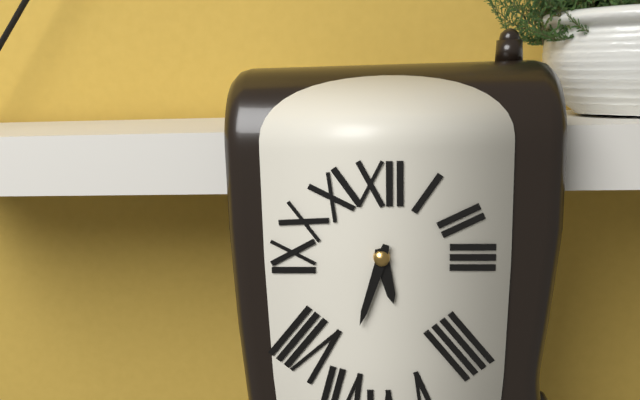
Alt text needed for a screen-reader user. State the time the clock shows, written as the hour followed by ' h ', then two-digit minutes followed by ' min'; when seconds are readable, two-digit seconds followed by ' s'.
5 h 33 min
